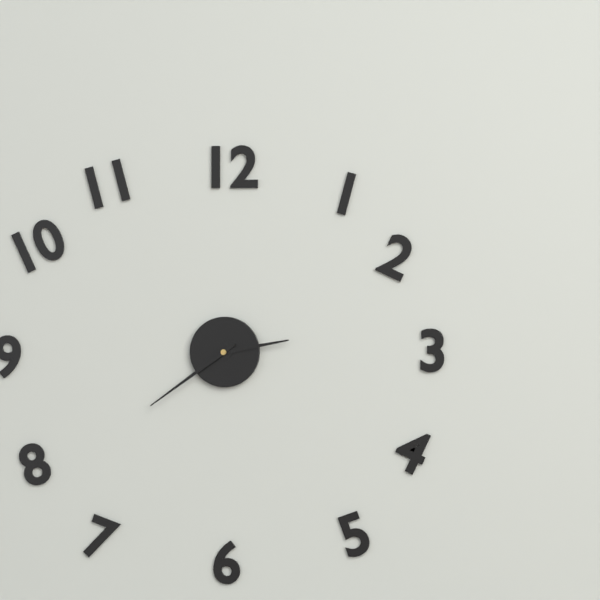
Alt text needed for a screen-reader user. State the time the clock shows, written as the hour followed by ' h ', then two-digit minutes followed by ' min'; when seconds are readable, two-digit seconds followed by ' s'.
2 h 39 min
